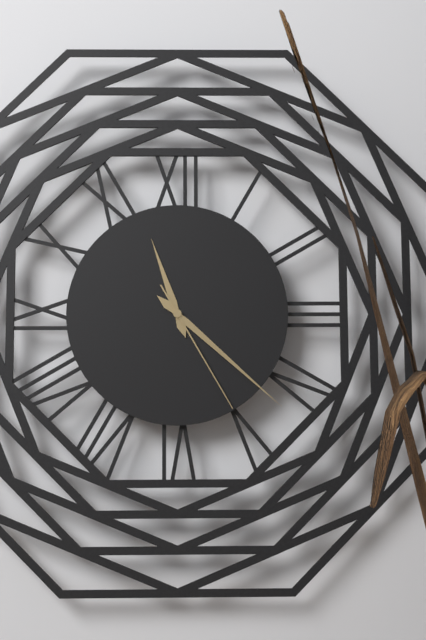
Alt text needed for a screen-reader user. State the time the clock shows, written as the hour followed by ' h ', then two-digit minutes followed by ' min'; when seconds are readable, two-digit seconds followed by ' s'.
11 h 22 min 25 s
